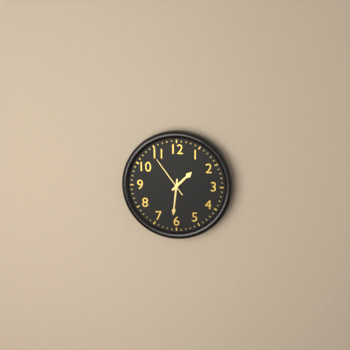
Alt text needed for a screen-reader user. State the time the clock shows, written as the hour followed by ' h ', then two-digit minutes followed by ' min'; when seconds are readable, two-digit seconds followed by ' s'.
1 h 31 min
